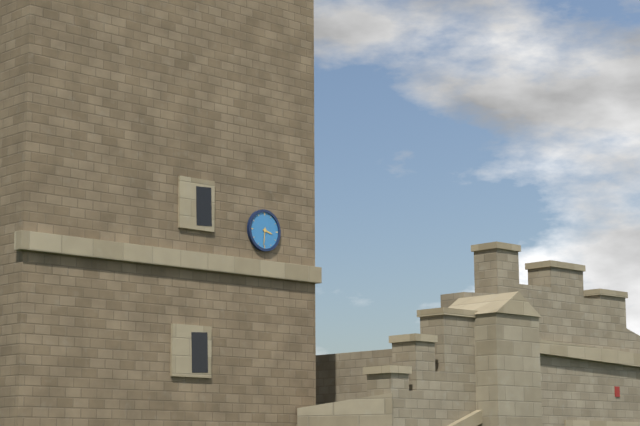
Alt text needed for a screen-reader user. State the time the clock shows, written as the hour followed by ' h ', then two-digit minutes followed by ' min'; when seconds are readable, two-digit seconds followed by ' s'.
3 h 31 min
